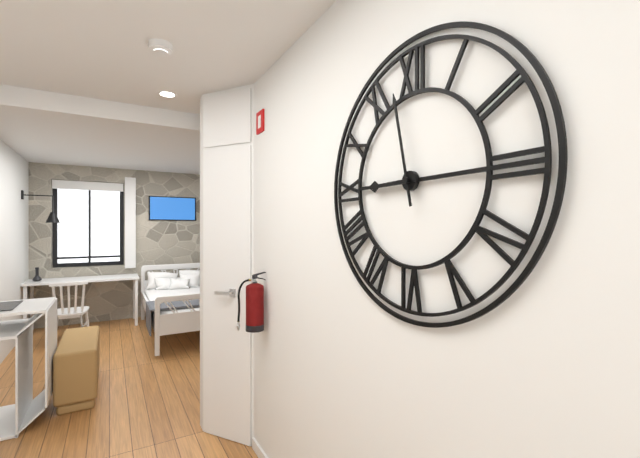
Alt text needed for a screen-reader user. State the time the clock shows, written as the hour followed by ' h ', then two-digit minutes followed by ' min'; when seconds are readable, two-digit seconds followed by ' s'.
8 h 58 min
